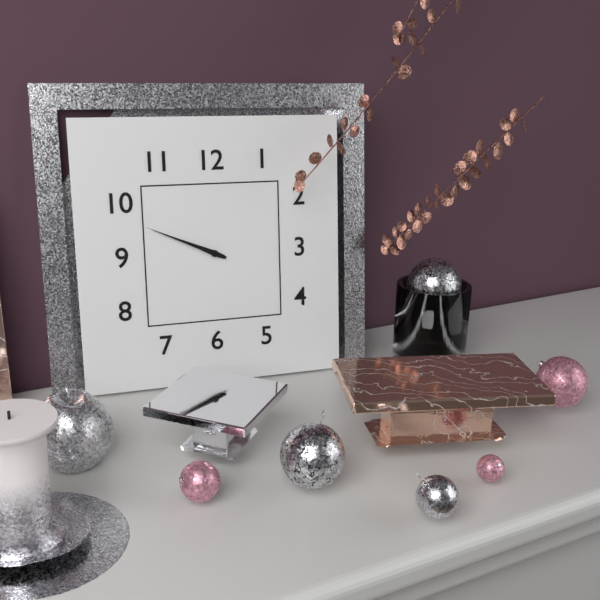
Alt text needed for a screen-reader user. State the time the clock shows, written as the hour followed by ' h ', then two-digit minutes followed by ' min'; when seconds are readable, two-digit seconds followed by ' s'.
9 h 49 min
